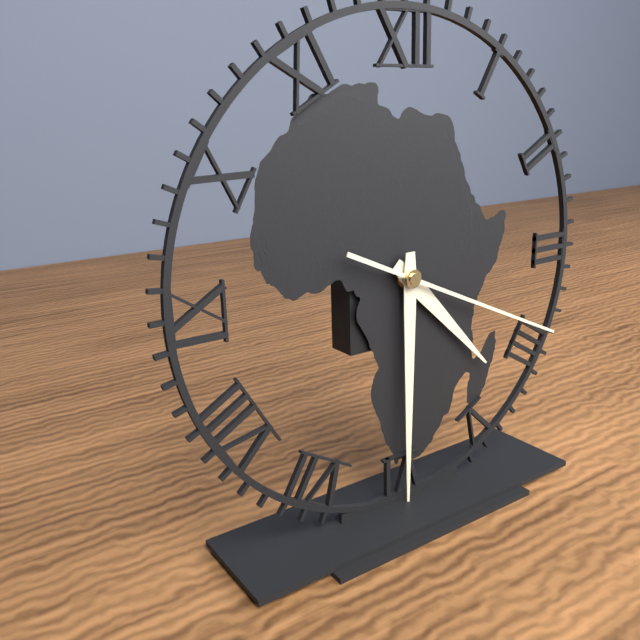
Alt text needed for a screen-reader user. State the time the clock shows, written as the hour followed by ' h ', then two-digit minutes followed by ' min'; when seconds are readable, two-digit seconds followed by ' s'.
4 h 30 min 19 s
